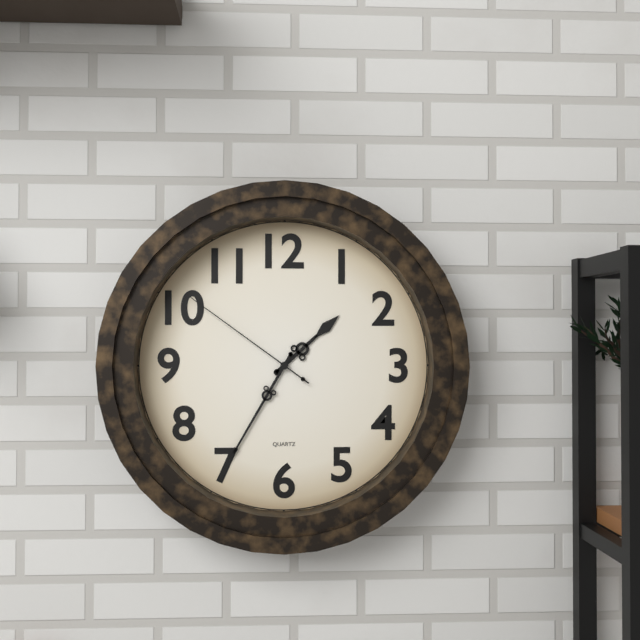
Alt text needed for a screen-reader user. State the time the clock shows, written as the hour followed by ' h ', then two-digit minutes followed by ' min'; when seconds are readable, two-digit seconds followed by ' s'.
1 h 35 min 51 s
